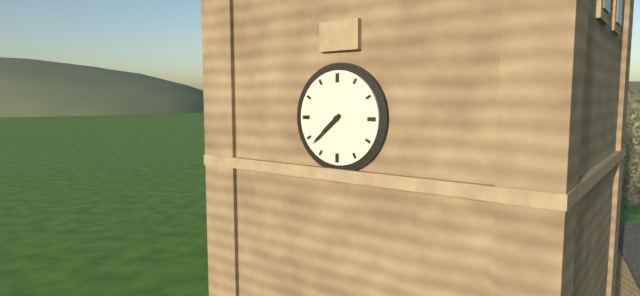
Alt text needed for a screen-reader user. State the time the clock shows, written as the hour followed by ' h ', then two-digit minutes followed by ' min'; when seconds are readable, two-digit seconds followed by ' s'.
7 h 38 min
